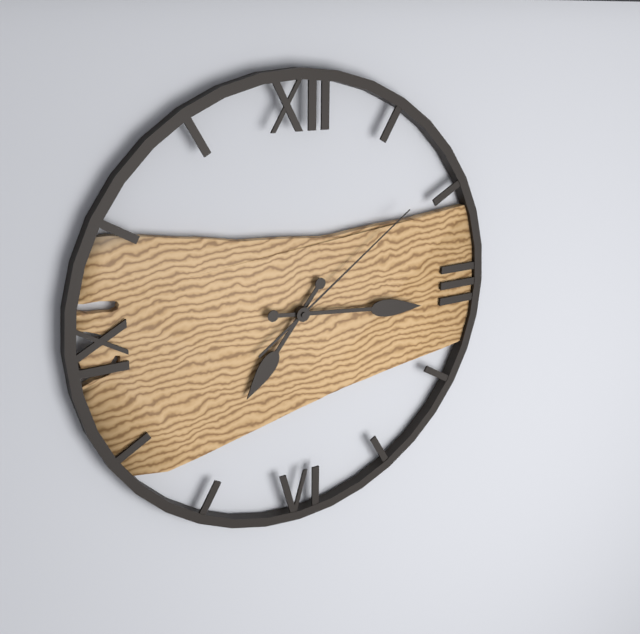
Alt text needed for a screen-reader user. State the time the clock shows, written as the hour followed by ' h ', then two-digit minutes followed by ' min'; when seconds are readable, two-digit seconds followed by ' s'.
7 h 16 min 09 s
